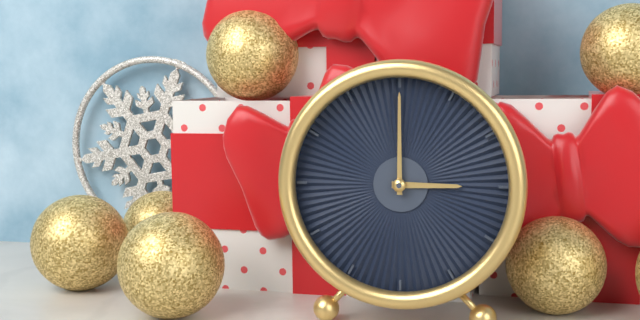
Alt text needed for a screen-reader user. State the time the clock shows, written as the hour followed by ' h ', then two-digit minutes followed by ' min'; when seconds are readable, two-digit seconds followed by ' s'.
3 h 00 min
